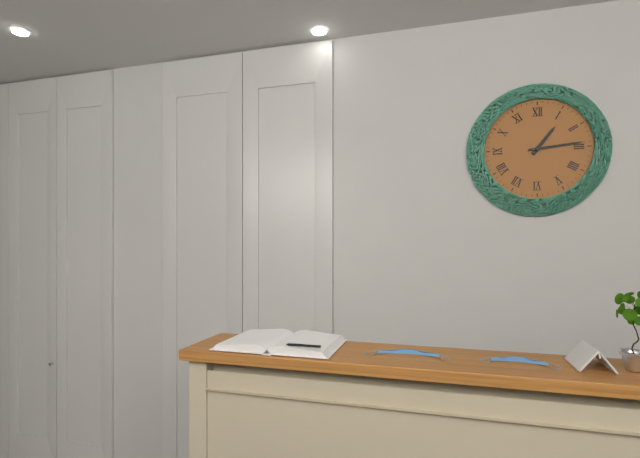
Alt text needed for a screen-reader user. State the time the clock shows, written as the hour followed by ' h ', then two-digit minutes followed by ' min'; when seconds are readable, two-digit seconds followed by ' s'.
1 h 14 min
